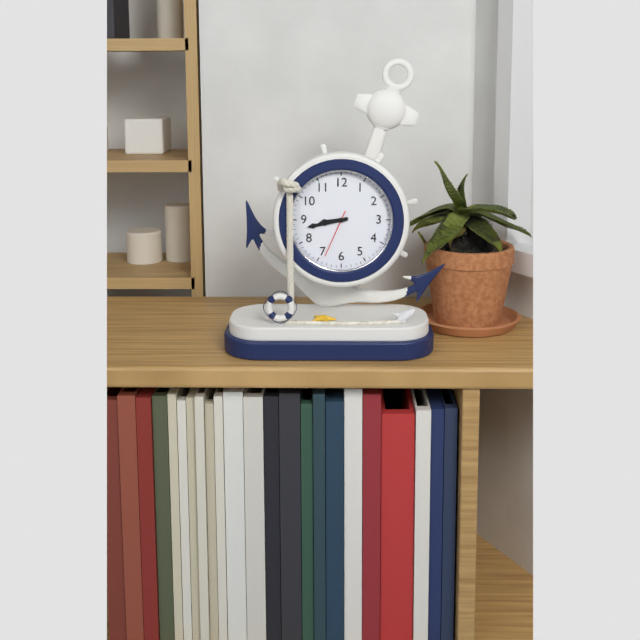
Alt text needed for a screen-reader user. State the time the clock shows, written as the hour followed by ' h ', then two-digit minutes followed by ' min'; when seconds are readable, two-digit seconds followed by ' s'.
8 h 43 min
